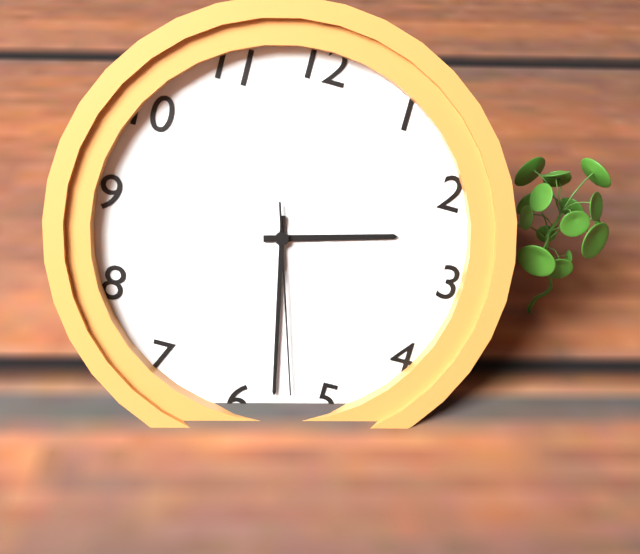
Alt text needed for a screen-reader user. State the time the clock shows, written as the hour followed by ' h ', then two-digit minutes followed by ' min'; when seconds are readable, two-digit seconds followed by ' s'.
2 h 28 min 27 s
